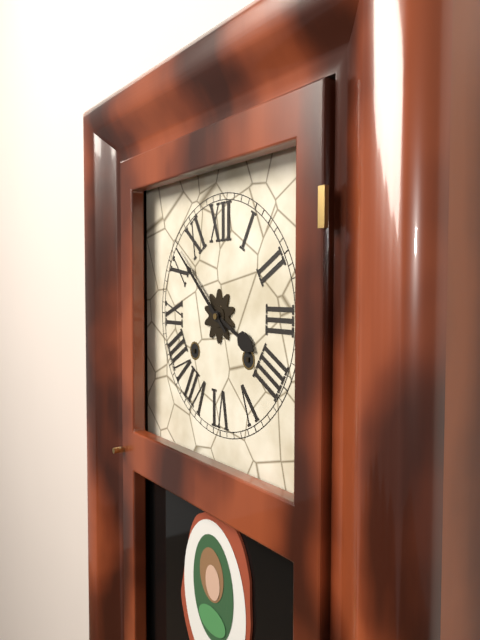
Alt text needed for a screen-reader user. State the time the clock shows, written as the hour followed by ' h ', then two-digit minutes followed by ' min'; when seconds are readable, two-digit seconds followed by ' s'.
3 h 52 min
